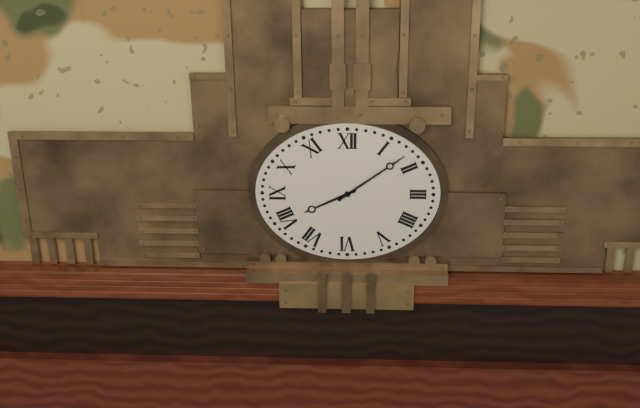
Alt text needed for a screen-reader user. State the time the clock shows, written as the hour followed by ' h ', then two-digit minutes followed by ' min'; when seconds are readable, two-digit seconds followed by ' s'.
8 h 09 min
